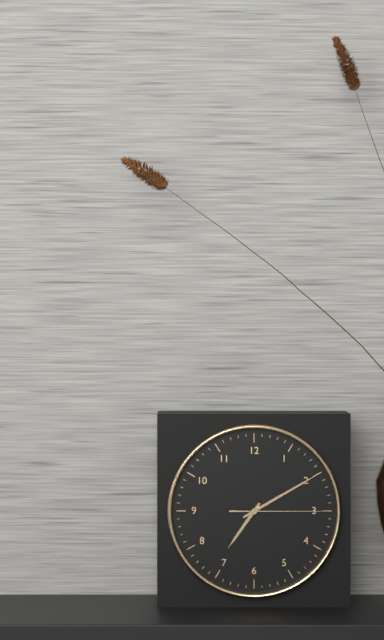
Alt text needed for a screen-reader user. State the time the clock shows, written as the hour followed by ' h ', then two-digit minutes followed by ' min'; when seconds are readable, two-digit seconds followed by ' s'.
7 h 10 min 15 s
